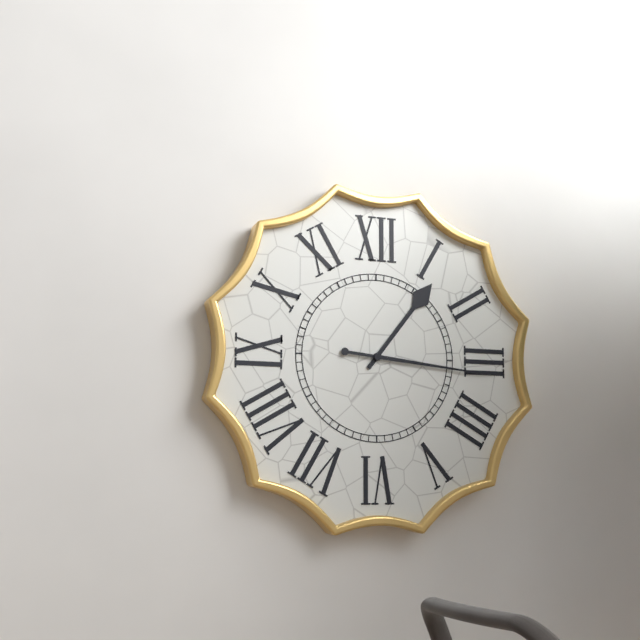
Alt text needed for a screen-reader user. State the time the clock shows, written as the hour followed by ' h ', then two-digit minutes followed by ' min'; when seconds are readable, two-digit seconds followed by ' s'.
1 h 16 min
